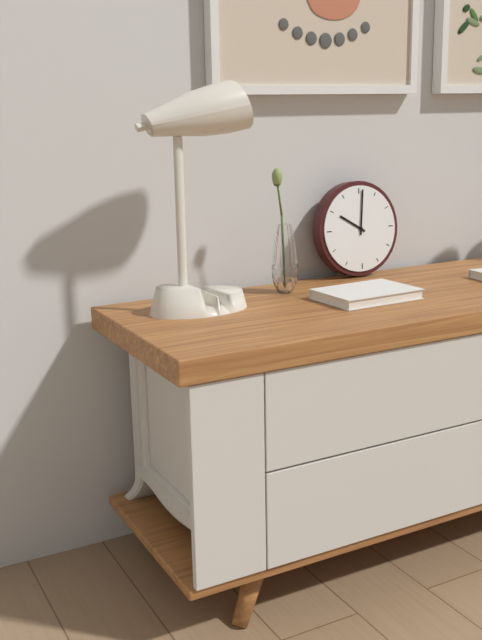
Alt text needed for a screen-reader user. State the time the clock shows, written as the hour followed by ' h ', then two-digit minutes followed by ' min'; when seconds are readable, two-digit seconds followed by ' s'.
10 h 01 min
